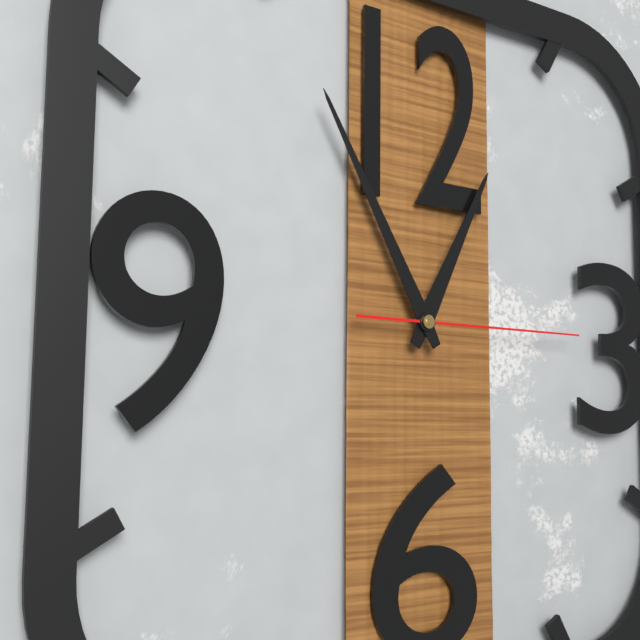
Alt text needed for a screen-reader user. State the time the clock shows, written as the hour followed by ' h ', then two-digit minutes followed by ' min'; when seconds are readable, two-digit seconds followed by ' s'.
12 h 55 min 15 s
